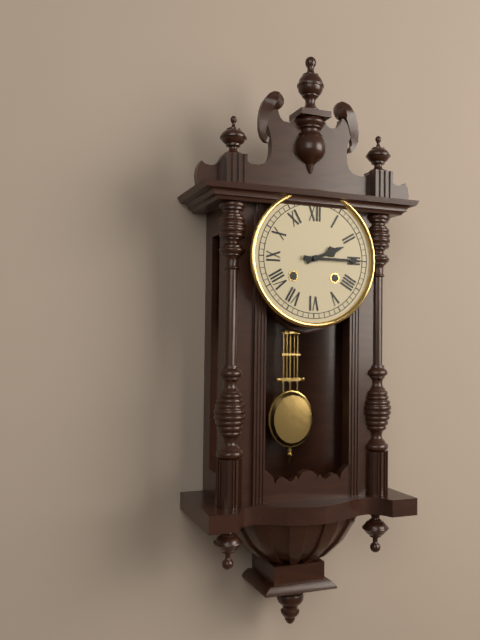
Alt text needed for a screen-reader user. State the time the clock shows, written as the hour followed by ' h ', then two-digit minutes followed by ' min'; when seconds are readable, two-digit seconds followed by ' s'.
2 h 15 min
